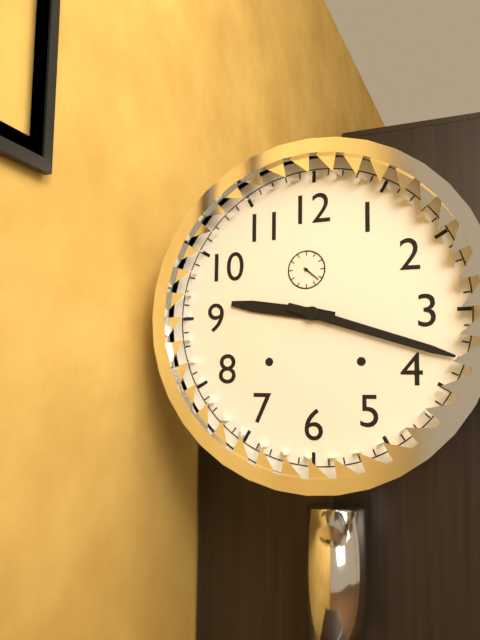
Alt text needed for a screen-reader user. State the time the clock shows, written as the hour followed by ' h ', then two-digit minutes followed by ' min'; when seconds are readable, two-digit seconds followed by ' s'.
9 h 18 min
